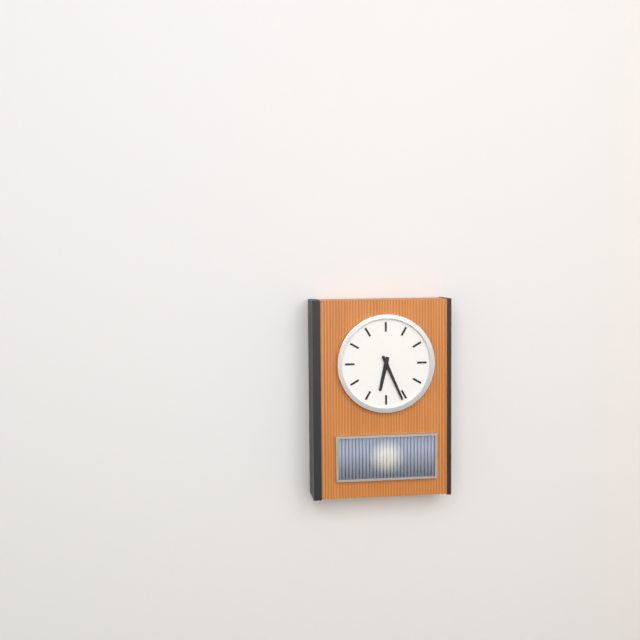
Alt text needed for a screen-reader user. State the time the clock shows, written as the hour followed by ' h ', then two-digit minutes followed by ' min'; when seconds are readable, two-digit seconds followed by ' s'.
6 h 26 min
